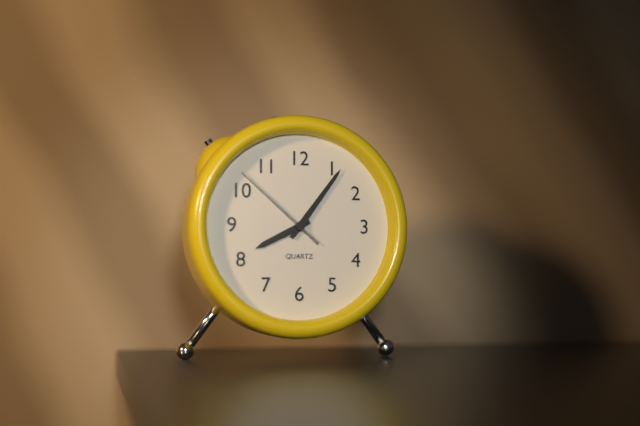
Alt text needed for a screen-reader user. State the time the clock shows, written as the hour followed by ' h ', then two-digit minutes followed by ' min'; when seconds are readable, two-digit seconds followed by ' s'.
8 h 06 min 52 s
